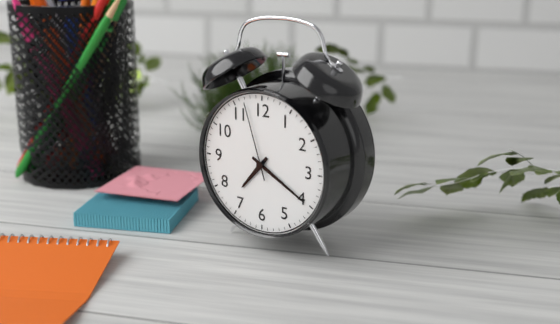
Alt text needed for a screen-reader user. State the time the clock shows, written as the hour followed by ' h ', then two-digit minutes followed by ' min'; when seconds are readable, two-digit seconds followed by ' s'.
7 h 20 min 57 s
